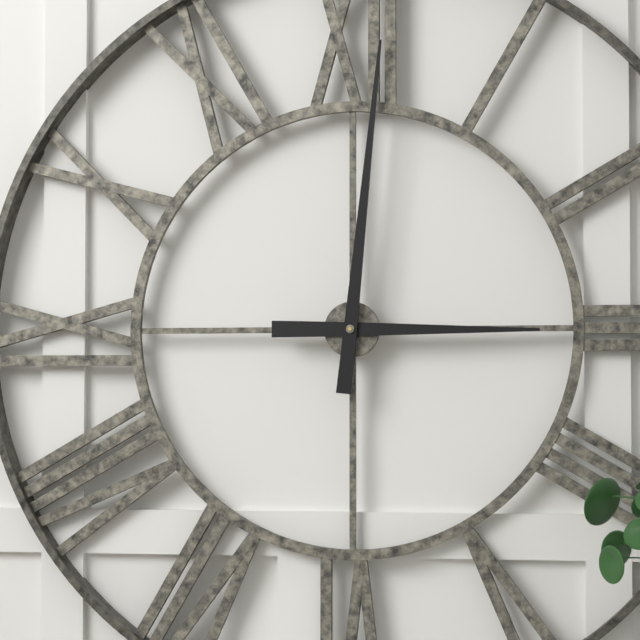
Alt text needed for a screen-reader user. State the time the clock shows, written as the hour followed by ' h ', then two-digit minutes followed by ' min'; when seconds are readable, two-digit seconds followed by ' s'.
3 h 01 min
